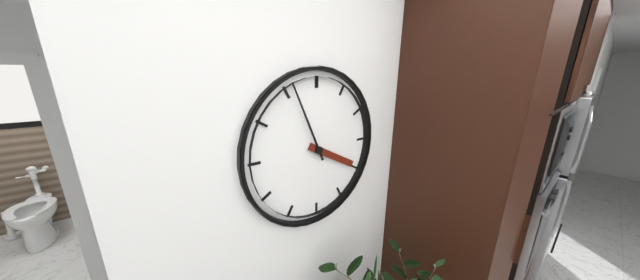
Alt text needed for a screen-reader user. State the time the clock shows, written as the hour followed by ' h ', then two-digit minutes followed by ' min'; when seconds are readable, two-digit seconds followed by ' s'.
3 h 56 min
